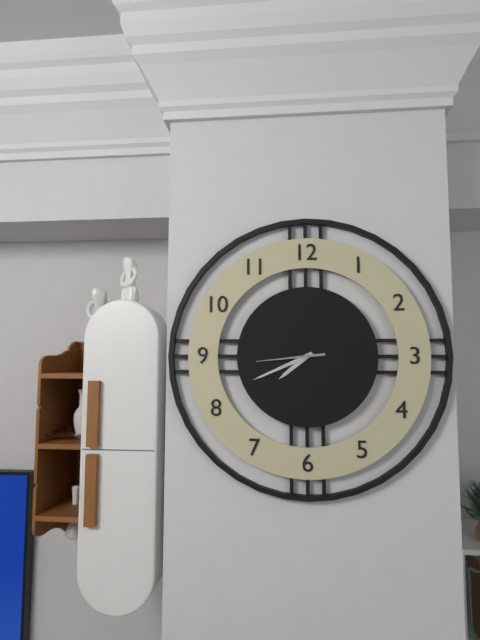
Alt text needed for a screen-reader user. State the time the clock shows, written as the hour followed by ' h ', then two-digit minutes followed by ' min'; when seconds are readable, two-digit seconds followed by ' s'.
7 h 41 min 44 s
